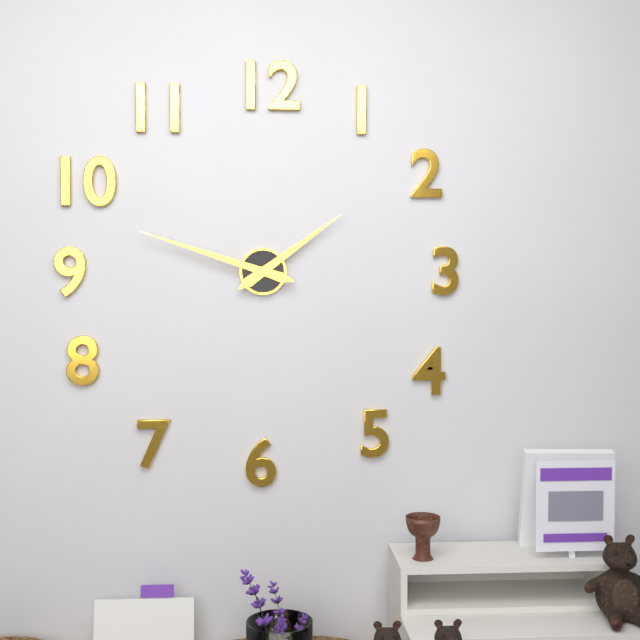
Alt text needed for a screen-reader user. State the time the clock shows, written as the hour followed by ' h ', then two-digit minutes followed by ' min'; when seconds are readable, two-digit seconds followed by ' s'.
1 h 48 min
